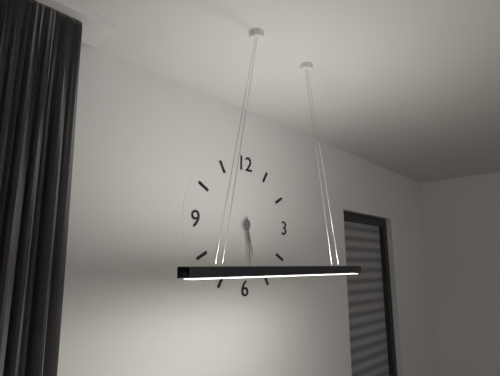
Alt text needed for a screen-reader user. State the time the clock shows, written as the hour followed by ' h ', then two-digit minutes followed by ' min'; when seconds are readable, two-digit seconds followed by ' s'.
5 h 29 min
